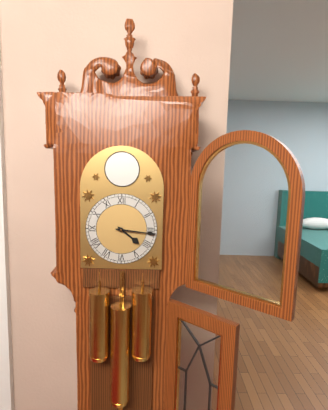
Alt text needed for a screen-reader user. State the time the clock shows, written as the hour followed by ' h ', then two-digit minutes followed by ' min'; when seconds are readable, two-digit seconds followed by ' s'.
4 h 16 min
